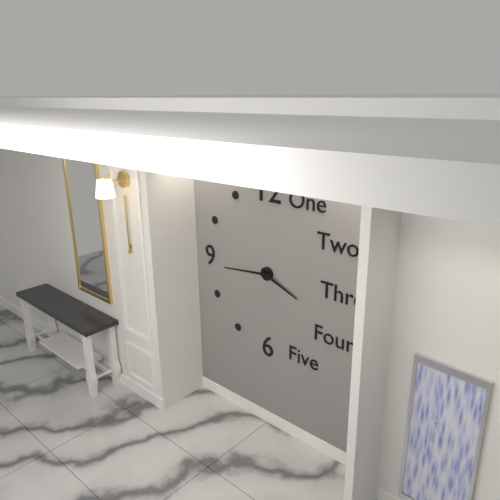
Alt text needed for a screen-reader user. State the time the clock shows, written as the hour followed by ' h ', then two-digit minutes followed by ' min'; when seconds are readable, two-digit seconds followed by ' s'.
3 h 44 min
